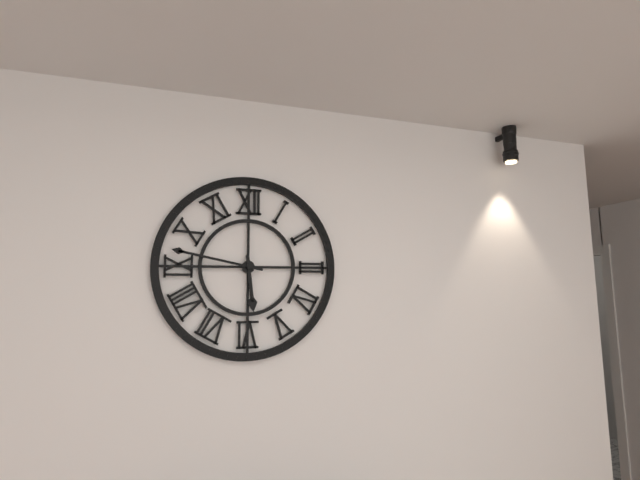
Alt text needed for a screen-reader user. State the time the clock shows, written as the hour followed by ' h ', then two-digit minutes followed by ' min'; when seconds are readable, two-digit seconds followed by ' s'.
5 h 47 min
